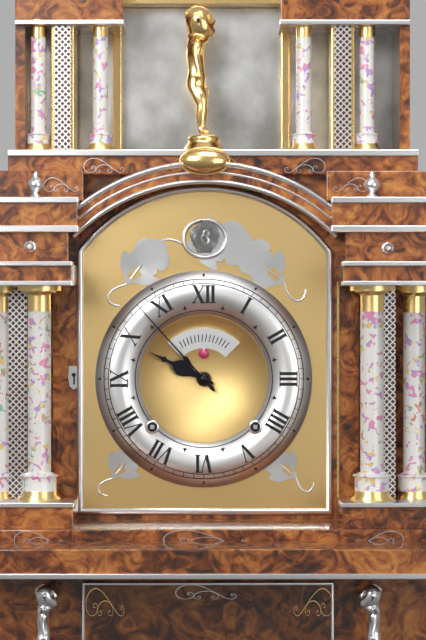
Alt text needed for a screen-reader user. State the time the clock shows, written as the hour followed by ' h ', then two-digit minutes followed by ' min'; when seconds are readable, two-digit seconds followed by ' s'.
9 h 53 min
